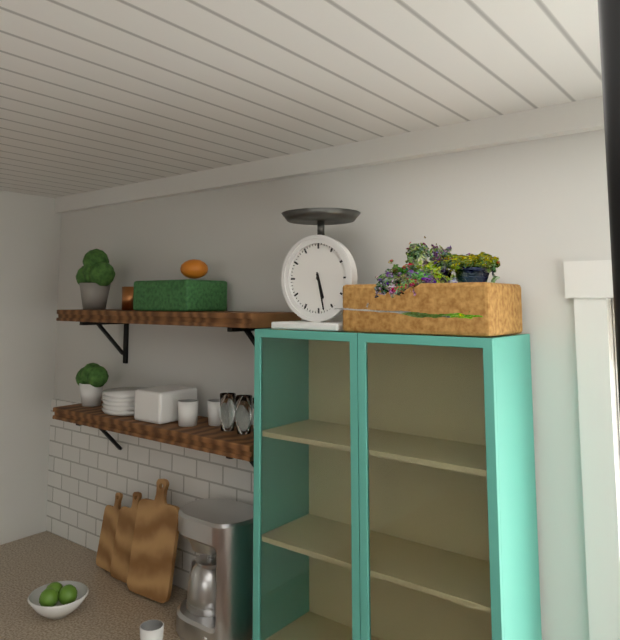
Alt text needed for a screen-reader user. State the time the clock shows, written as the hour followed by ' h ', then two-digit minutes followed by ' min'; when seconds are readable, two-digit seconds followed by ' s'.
5 h 28 min
